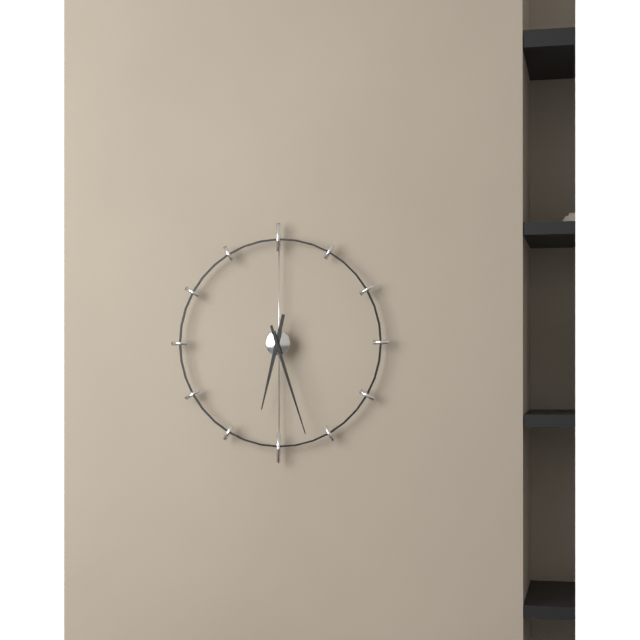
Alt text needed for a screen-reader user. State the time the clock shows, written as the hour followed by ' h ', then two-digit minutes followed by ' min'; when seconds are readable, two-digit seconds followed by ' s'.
6 h 27 min
